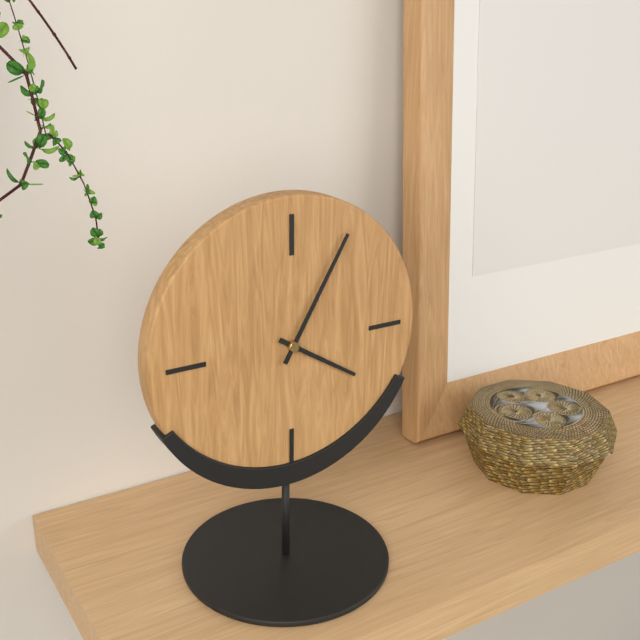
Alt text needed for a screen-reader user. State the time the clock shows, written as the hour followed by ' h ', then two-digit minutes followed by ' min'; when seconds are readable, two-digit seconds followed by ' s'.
4 h 05 min
